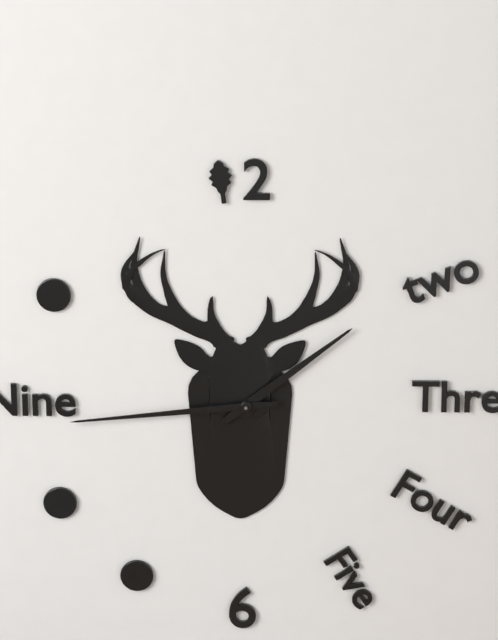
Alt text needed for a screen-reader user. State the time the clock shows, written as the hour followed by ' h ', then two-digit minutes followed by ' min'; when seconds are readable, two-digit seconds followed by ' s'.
1 h 44 min
